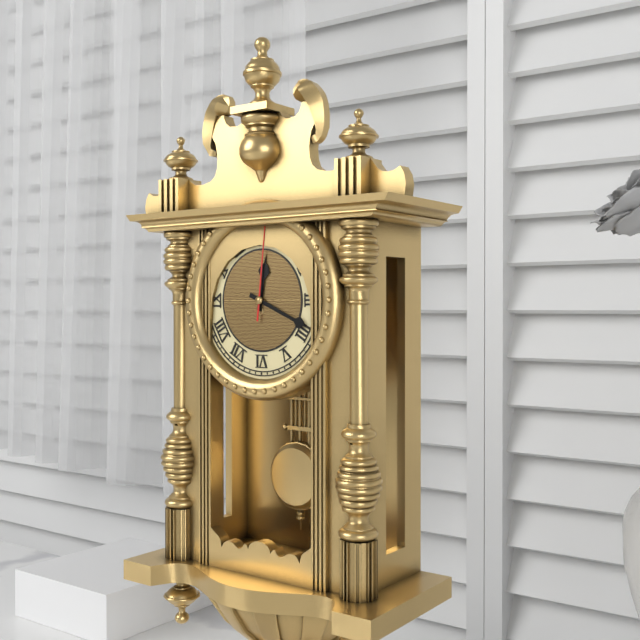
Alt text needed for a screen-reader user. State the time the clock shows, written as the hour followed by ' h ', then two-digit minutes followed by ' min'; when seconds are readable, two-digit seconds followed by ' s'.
12 h 19 min 01 s
